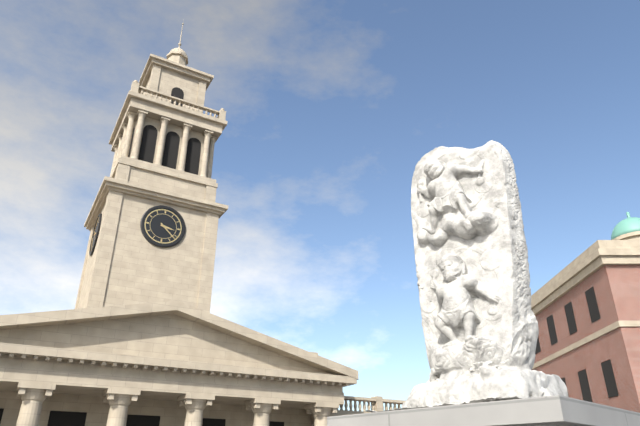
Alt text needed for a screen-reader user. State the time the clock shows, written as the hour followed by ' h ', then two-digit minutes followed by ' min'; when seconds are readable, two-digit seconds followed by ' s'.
3 h 22 min
